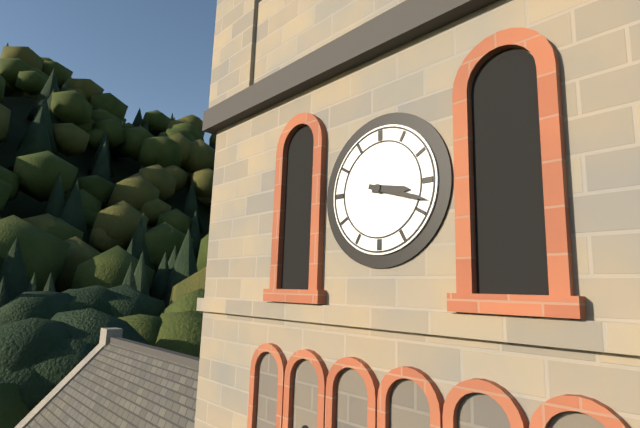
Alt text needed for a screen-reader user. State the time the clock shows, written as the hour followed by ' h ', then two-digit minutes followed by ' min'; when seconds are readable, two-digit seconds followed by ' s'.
3 h 18 min
